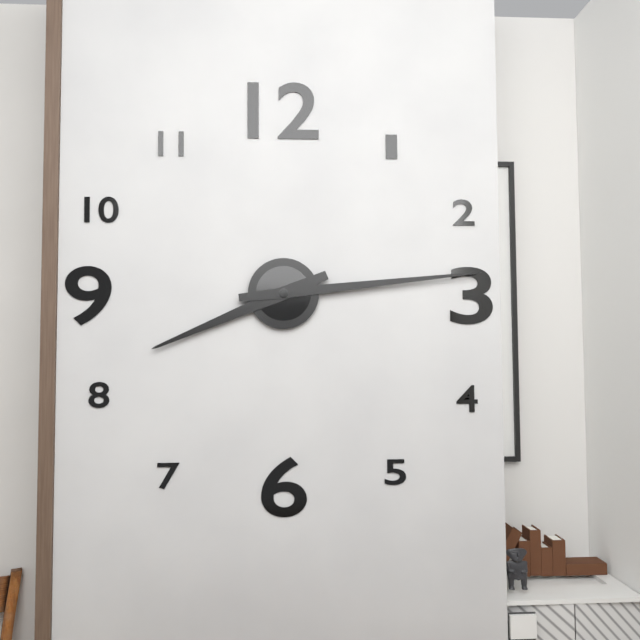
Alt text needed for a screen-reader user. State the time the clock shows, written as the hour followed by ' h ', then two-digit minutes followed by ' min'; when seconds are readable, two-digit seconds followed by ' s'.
8 h 14 min
